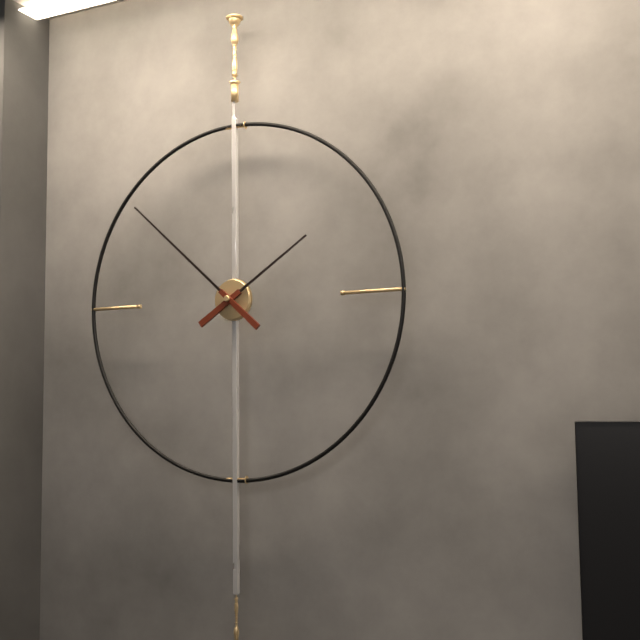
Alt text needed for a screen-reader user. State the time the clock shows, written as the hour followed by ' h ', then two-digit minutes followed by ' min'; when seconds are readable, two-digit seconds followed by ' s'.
1 h 52 min
